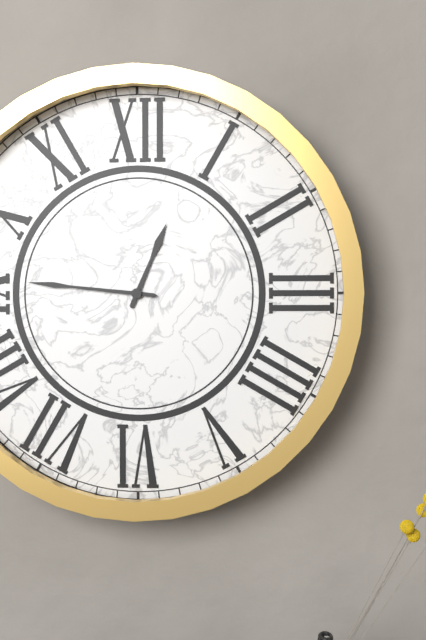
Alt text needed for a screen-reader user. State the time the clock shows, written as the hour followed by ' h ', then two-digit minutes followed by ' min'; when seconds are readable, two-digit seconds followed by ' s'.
12 h 46 min
